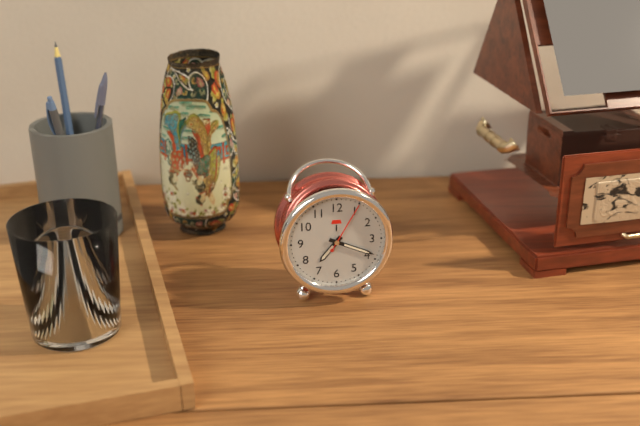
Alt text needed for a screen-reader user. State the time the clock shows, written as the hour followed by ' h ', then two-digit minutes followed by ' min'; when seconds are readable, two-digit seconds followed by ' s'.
7 h 19 min 05 s
